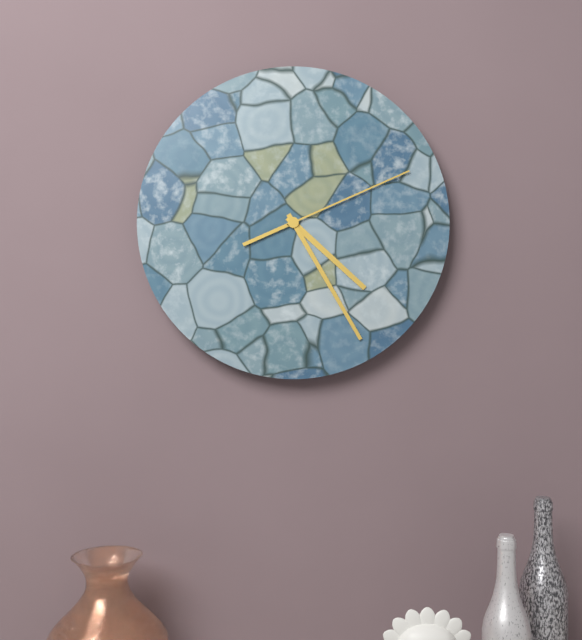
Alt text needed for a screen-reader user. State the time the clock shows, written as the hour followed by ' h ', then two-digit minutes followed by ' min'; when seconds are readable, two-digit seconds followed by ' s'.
4 h 25 min 11 s
